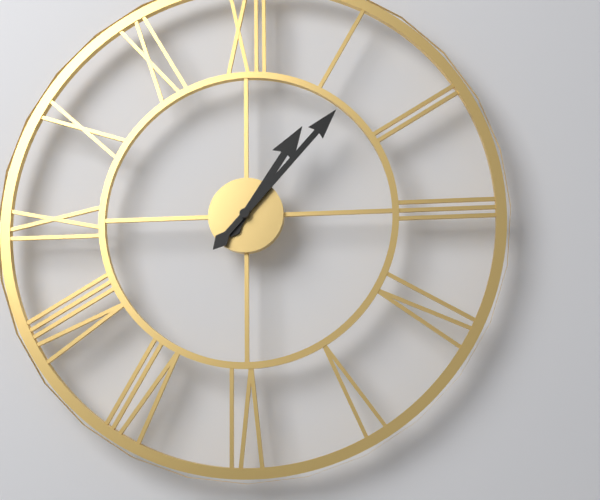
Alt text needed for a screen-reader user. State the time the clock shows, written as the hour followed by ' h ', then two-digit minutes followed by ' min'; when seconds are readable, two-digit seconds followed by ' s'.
1 h 07 min
